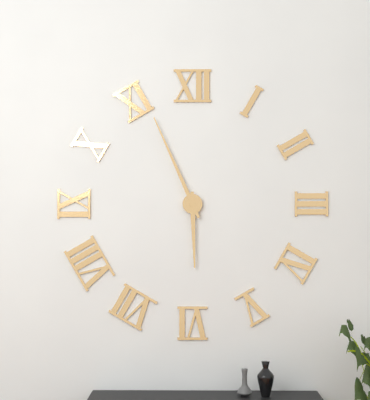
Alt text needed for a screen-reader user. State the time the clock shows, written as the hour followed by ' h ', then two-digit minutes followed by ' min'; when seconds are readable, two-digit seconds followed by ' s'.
5 h 56 min
